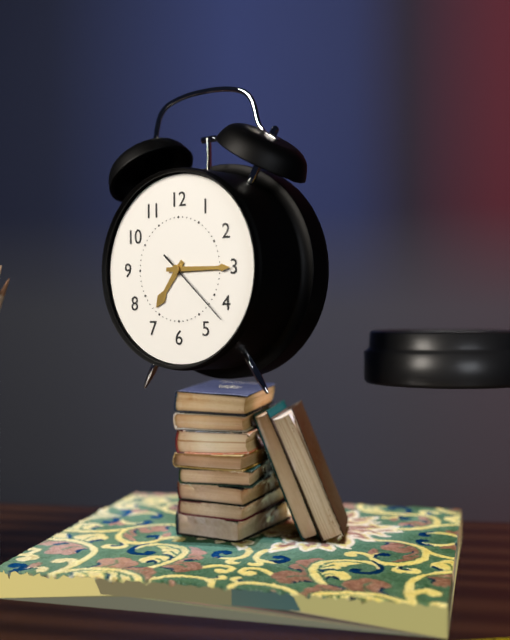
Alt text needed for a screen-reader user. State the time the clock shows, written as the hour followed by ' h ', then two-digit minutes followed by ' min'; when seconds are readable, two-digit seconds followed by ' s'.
7 h 15 min 22 s
